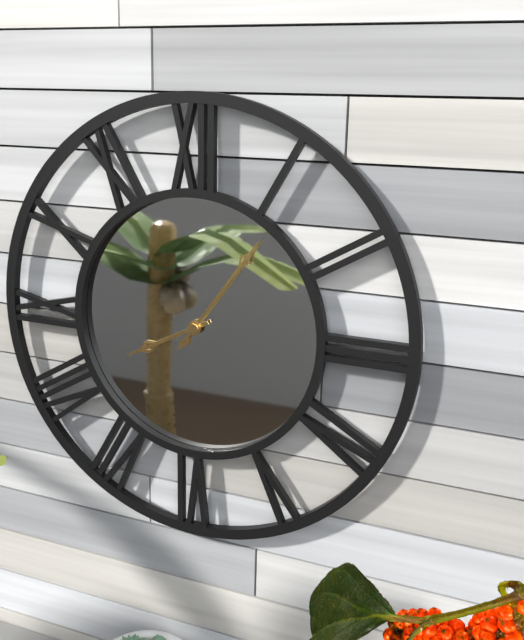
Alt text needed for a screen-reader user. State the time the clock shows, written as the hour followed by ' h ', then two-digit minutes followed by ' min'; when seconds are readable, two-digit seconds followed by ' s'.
8 h 06 min
